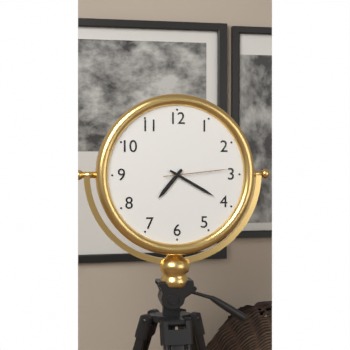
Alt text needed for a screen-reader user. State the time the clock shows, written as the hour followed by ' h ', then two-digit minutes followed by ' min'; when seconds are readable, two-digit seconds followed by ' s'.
7 h 20 min 14 s
